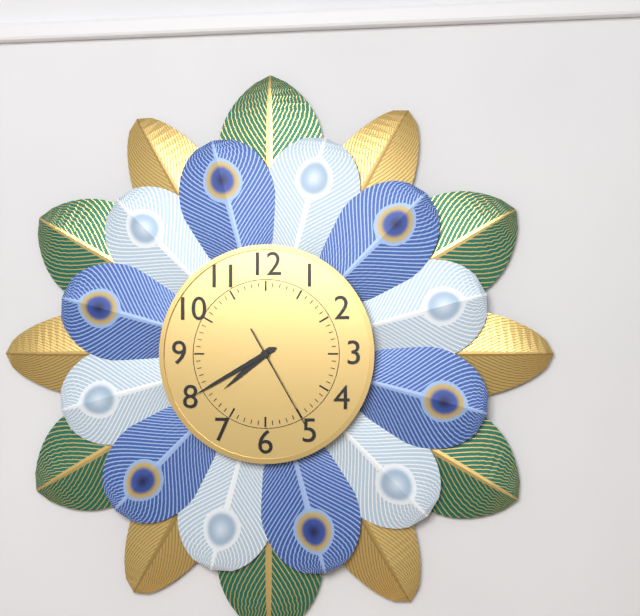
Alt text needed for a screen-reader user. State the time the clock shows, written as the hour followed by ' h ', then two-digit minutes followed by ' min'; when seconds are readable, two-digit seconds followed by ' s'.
7 h 40 min 25 s
